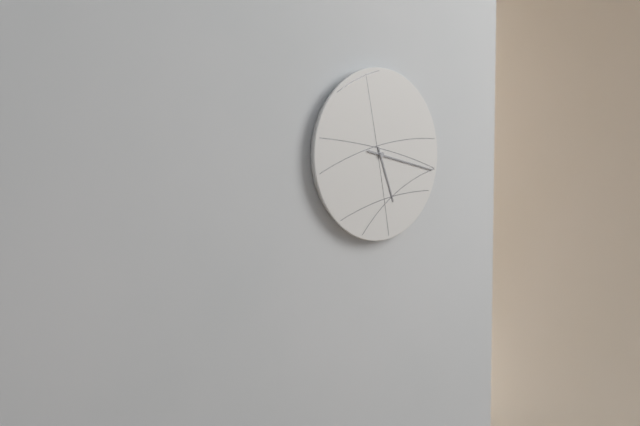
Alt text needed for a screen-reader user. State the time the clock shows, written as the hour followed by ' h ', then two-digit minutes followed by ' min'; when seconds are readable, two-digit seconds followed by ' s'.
5 h 17 min
